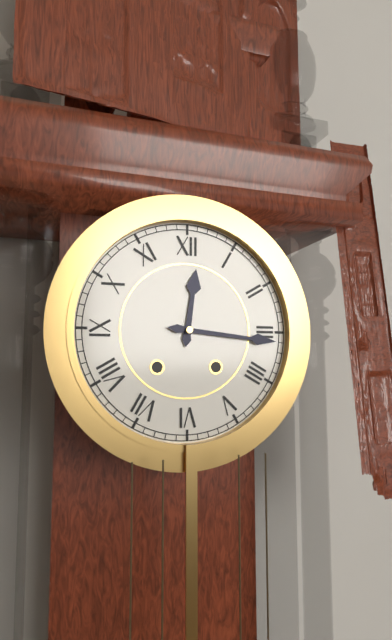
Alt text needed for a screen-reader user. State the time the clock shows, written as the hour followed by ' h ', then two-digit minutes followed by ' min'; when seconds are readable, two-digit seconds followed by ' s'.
12 h 16 min
